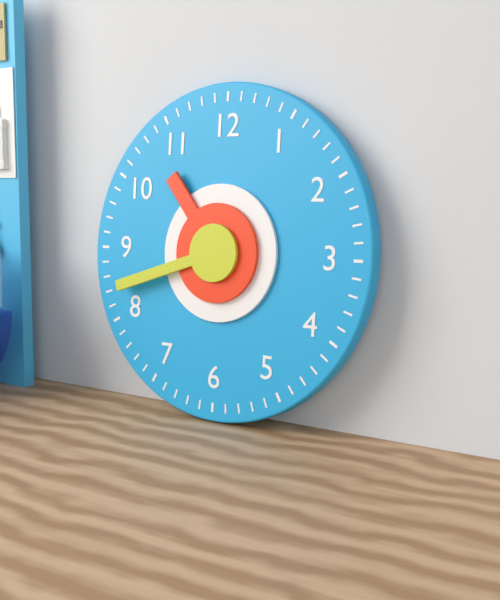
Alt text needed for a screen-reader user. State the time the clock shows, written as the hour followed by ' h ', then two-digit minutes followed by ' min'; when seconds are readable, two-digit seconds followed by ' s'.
10 h 42 min
